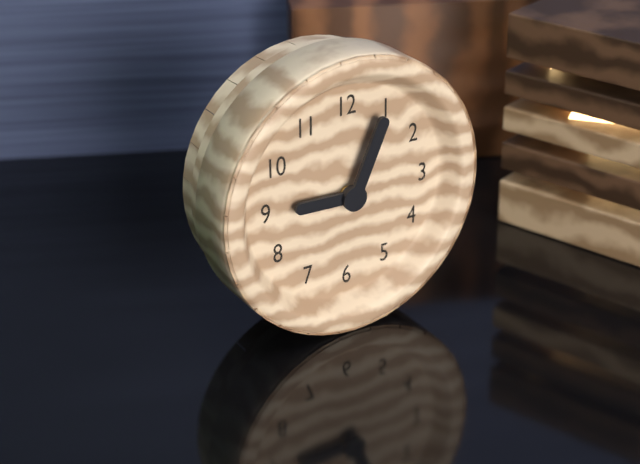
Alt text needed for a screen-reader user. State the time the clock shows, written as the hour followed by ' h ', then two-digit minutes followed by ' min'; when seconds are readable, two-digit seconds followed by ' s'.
9 h 04 min
